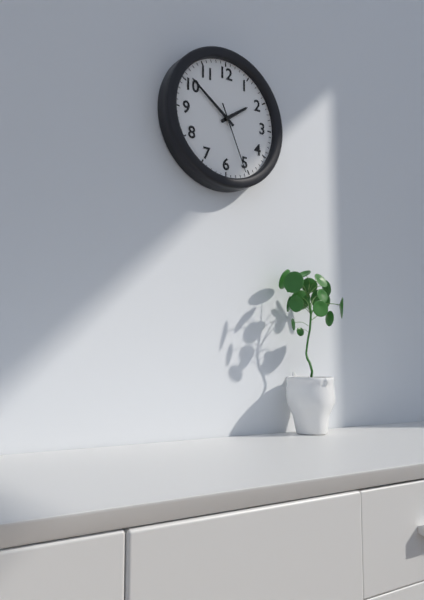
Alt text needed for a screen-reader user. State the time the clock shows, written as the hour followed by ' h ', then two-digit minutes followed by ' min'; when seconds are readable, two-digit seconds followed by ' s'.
1 h 51 min 26 s
